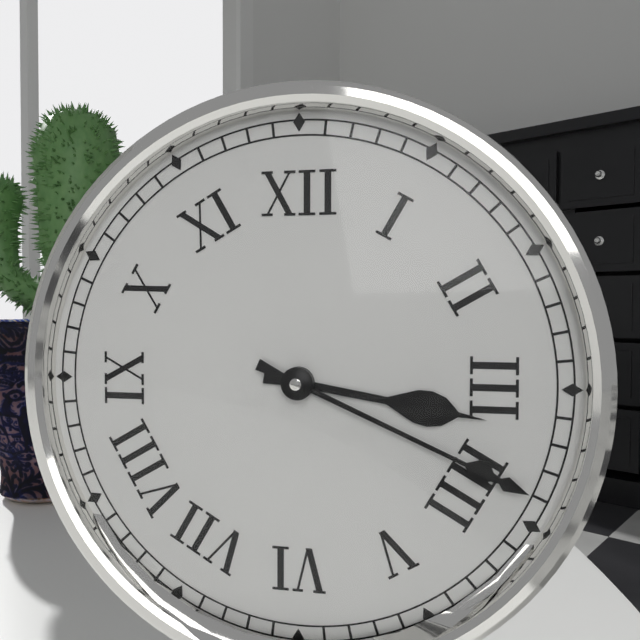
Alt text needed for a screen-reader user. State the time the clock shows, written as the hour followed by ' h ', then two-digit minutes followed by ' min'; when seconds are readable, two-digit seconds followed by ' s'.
3 h 19 min
